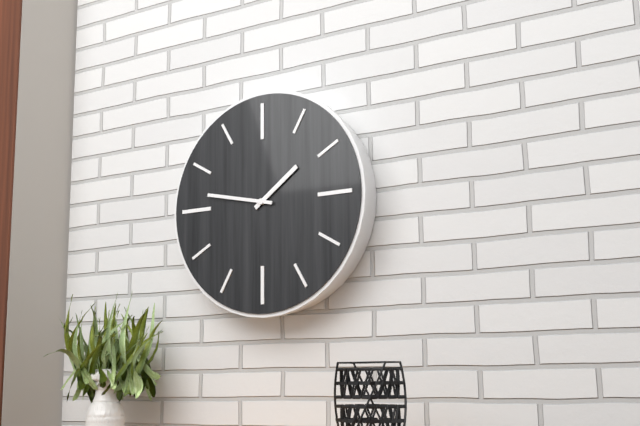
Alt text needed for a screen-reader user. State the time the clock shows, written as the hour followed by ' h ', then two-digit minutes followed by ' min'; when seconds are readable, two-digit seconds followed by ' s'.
1 h 47 min
